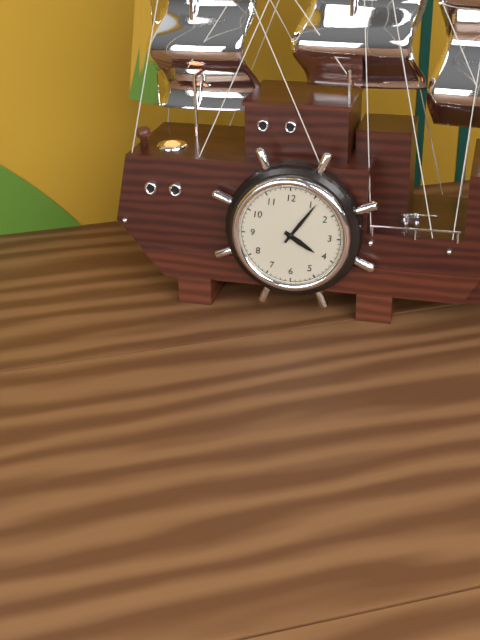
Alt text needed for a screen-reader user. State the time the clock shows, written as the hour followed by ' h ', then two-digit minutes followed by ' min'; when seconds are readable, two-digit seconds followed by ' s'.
4 h 06 min
